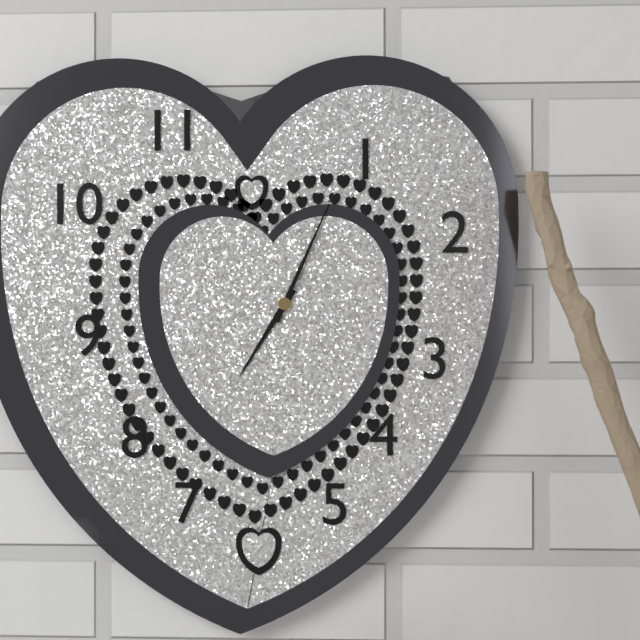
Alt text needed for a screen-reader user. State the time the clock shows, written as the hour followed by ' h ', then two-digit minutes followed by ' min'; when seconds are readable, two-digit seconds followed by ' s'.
7 h 04 min
